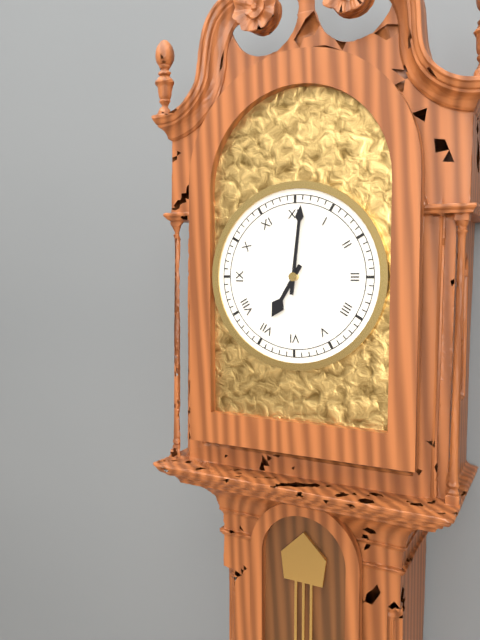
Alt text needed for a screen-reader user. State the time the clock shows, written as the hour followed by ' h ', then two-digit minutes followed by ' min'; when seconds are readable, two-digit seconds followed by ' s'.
7 h 01 min
